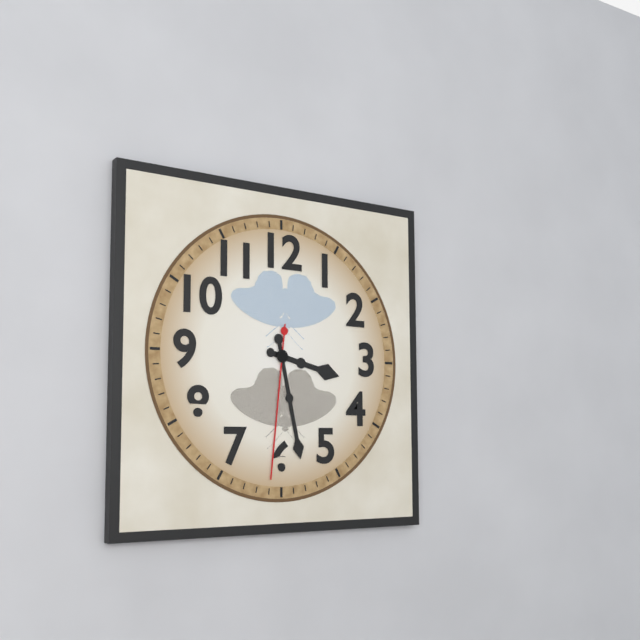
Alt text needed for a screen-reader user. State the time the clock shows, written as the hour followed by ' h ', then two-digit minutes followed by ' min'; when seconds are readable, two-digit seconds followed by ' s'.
3 h 28 min 31 s
